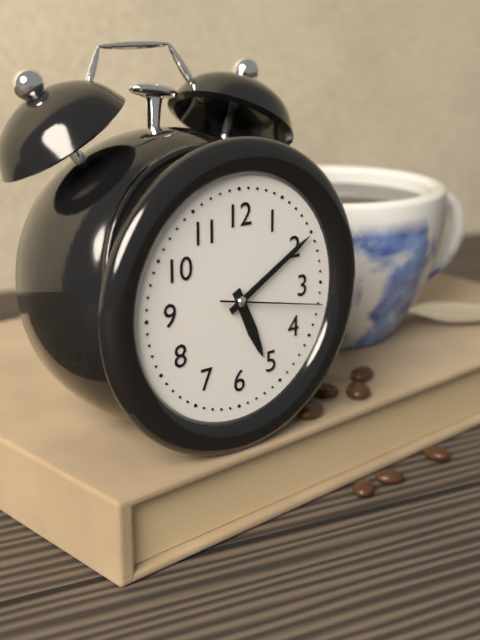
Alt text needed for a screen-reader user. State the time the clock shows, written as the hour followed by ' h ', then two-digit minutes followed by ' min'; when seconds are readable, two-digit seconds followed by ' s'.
5 h 10 min 17 s
